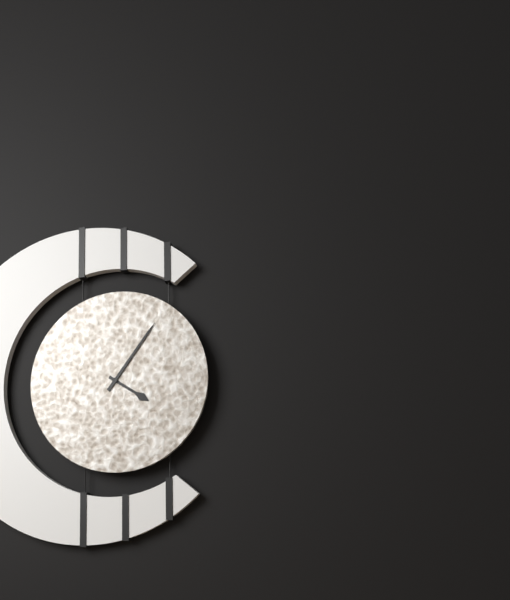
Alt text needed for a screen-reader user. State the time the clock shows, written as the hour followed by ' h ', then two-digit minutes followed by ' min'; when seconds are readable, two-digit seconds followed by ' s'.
4 h 06 min
